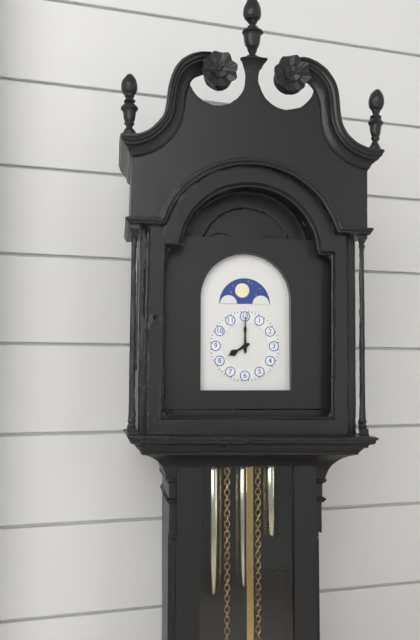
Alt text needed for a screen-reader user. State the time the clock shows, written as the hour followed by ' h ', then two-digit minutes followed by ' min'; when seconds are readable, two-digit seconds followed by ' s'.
8 h 00 min
